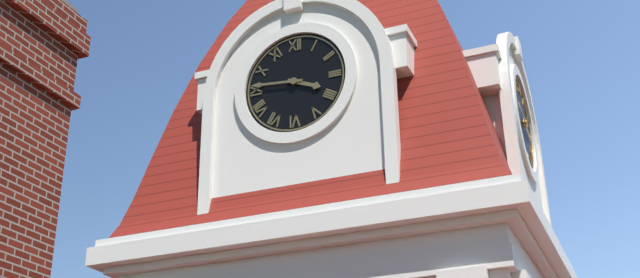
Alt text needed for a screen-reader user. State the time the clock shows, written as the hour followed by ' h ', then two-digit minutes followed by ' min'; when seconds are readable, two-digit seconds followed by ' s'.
3 h 46 min
